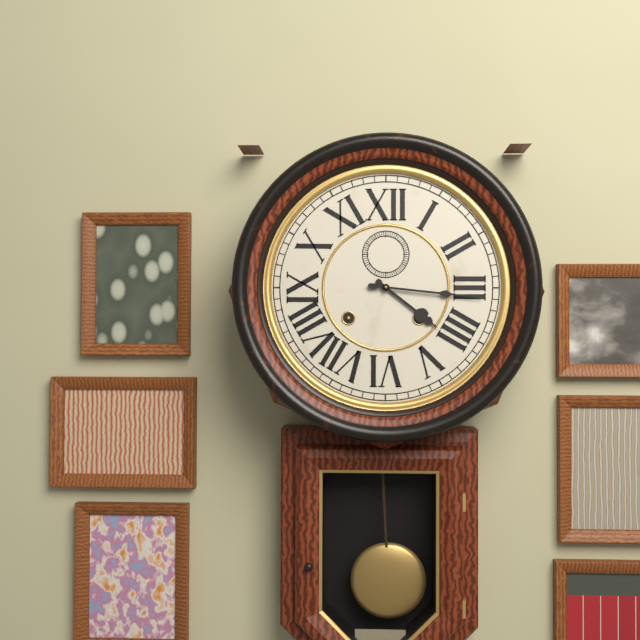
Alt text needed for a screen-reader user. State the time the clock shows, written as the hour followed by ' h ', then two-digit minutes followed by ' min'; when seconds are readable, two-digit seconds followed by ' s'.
4 h 16 min
